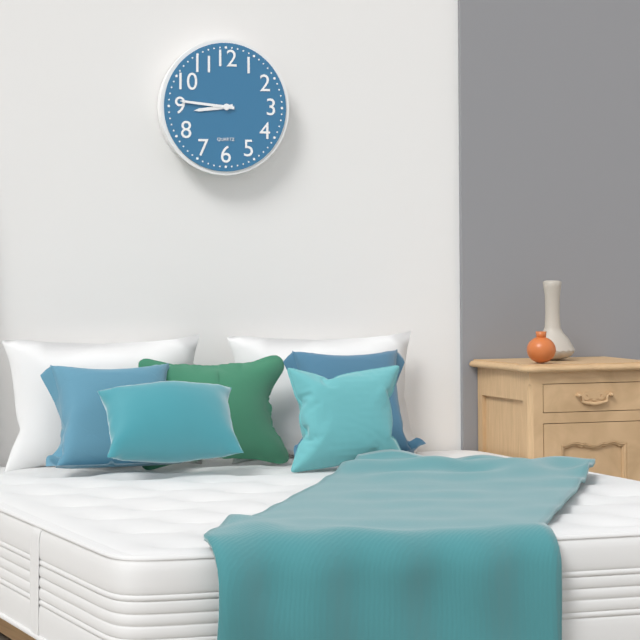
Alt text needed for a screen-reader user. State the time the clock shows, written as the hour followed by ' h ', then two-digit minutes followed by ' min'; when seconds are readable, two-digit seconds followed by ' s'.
8 h 46 min
